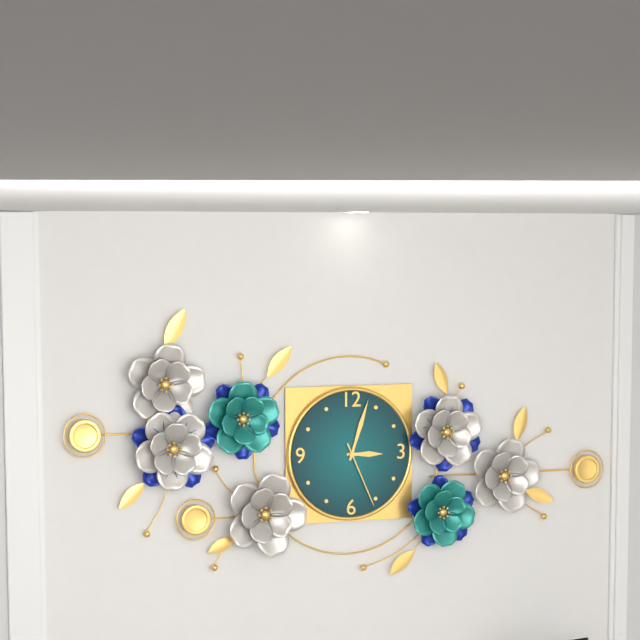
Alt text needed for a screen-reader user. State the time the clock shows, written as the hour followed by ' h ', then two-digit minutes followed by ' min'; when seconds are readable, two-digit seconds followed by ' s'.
3 h 03 min 26 s
